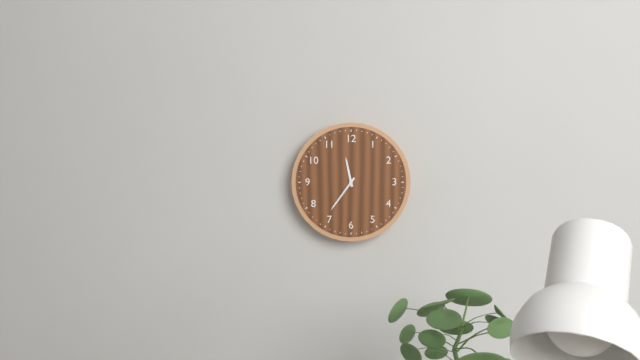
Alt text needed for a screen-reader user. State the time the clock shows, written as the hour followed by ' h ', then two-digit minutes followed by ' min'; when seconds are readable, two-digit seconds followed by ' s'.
11 h 36 min
